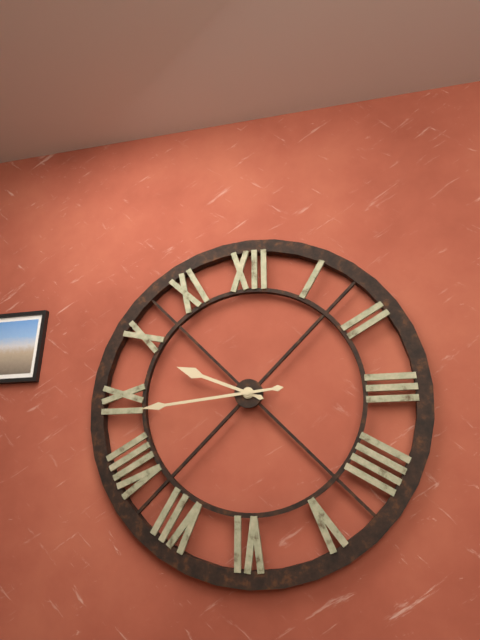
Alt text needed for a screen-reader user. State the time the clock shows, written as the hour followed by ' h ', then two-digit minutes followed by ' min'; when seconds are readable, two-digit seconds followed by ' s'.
9 h 44 min
